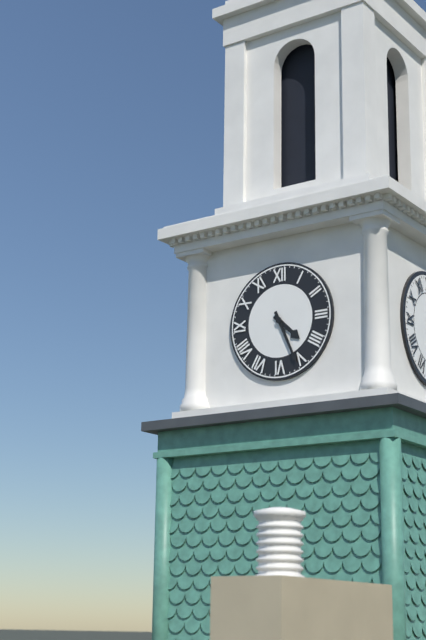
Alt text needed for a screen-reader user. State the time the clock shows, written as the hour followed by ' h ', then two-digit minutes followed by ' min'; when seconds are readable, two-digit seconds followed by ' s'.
4 h 26 min
